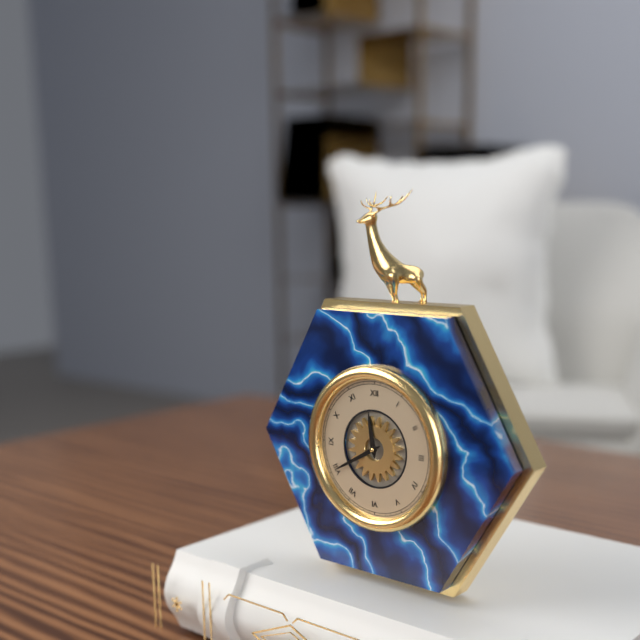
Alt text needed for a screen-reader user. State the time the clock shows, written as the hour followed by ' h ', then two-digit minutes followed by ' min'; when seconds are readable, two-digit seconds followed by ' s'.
11 h 40 min
